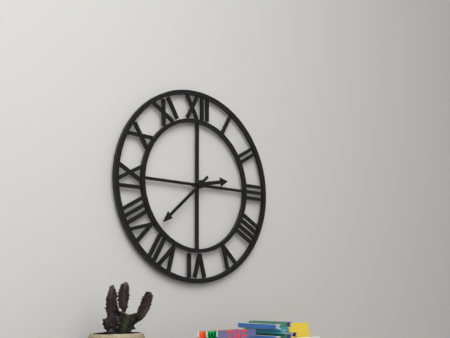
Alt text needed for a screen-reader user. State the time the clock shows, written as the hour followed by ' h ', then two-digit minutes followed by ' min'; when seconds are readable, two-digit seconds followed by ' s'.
2 h 38 min
